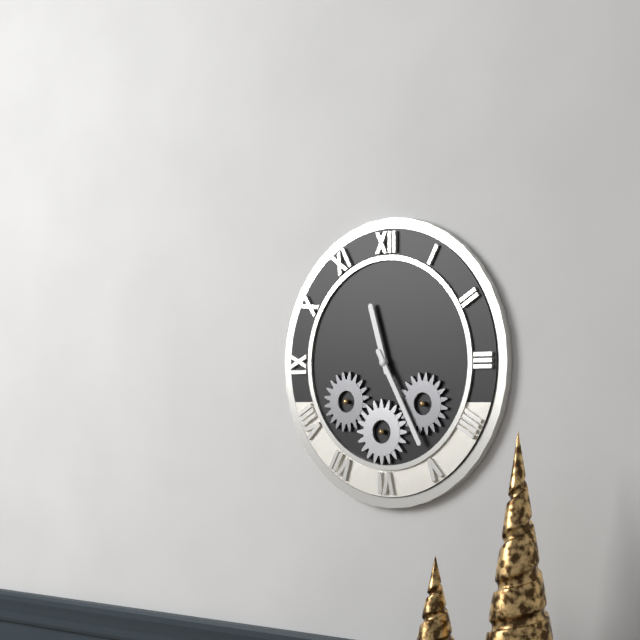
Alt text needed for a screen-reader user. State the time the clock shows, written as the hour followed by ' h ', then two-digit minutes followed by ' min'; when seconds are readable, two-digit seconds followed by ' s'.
11 h 25 min
